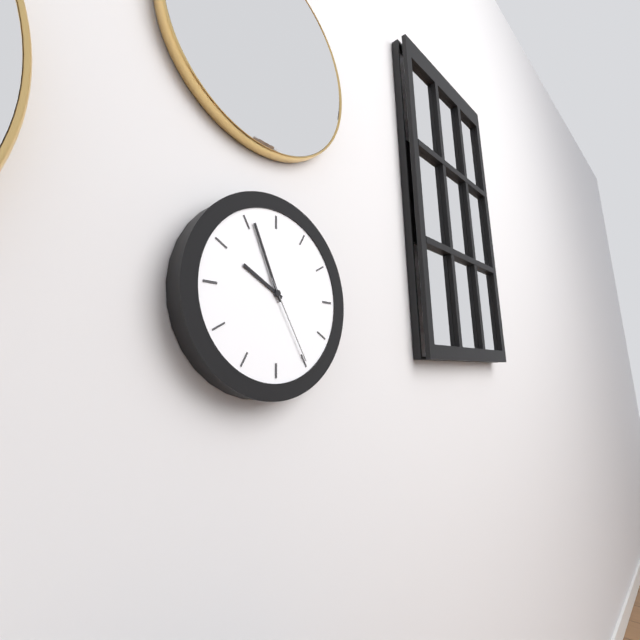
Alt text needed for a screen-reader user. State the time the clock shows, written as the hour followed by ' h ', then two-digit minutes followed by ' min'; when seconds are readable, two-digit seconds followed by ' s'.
9 h 56 min 25 s
